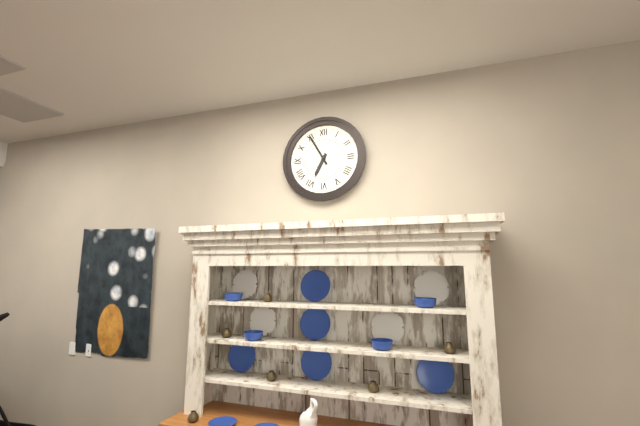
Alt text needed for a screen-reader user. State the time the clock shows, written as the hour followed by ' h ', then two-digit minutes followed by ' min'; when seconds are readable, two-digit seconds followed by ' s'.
6 h 55 min
